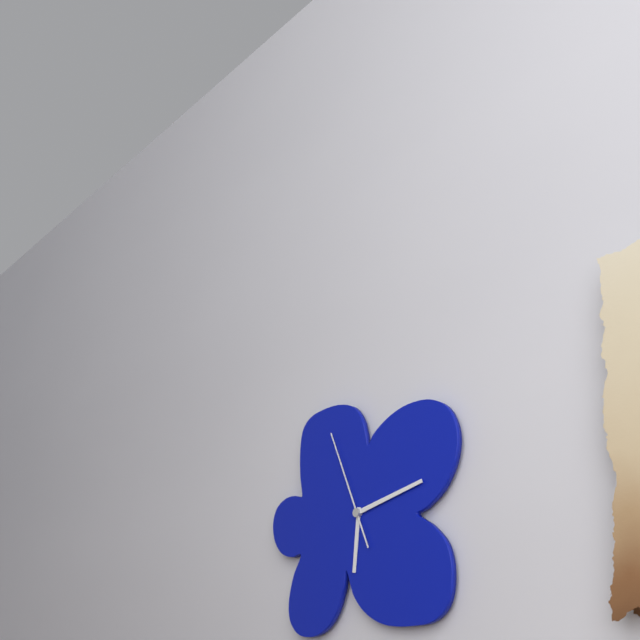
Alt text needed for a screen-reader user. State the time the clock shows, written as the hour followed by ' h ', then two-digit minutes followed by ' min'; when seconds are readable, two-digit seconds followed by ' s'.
6 h 13 min 56 s
